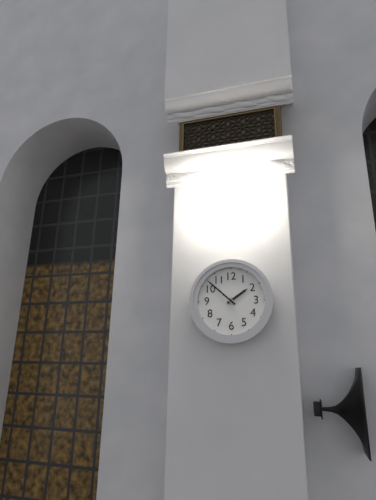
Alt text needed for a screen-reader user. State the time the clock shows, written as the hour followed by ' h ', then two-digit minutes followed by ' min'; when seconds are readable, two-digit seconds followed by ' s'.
1 h 52 min
